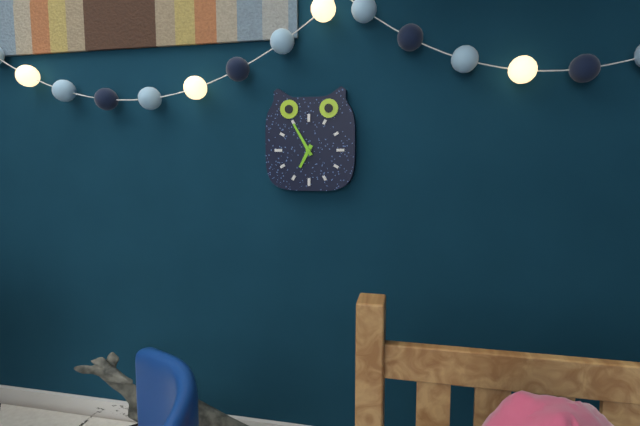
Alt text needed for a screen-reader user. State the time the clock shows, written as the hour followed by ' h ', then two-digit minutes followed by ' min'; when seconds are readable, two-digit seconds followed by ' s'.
6 h 55 min
